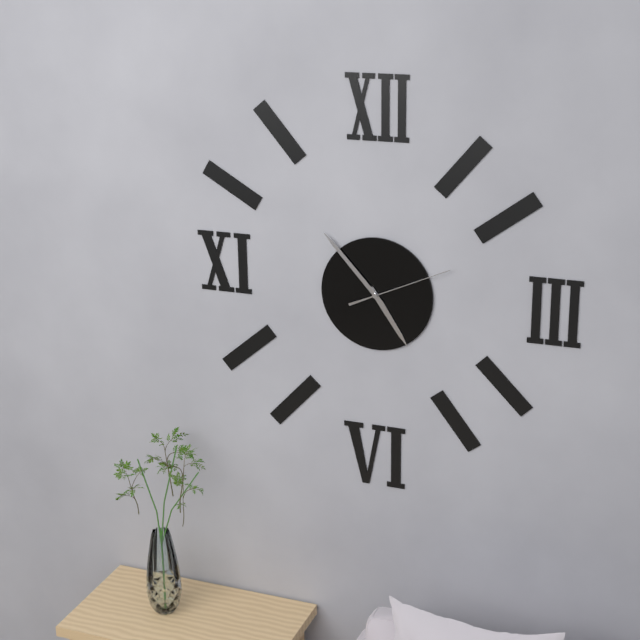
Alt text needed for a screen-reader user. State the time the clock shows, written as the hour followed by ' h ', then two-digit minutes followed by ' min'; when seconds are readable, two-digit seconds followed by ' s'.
4 h 53 min 11 s
